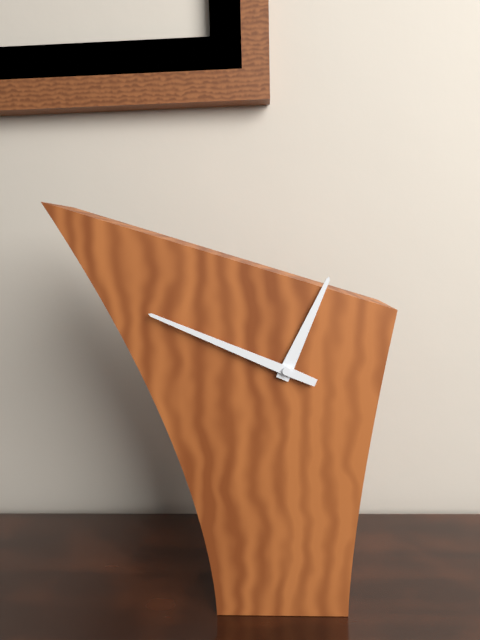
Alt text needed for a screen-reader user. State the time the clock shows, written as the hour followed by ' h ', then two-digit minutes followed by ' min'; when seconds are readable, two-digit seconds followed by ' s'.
12 h 49 min
